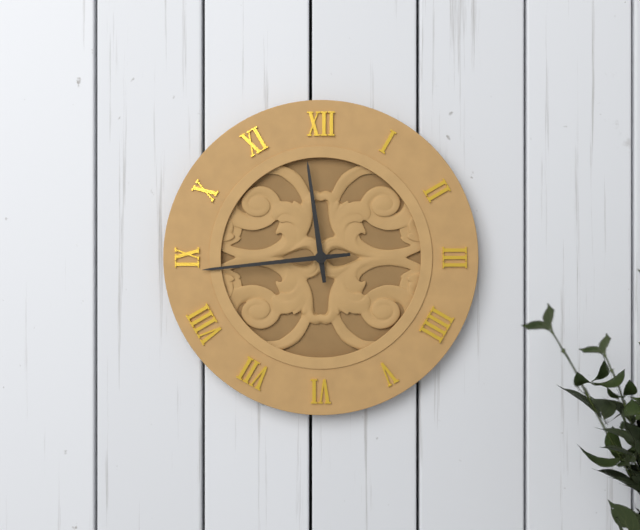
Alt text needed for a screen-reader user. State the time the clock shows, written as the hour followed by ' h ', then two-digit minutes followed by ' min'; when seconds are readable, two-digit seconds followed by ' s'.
11 h 44 min
